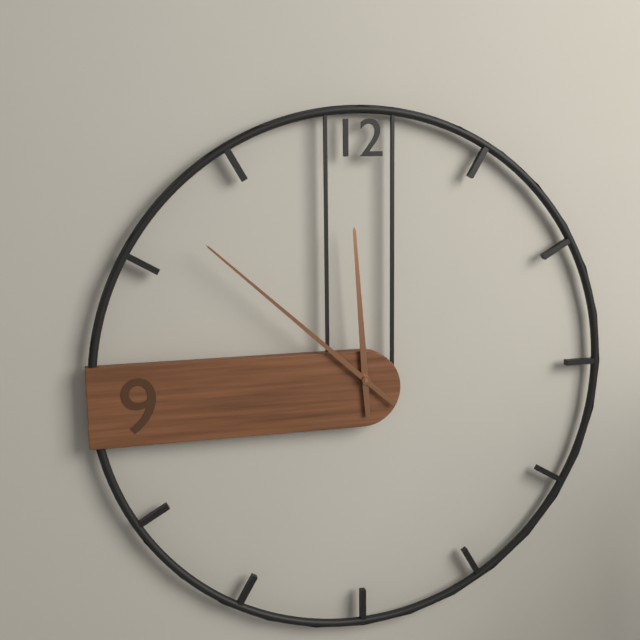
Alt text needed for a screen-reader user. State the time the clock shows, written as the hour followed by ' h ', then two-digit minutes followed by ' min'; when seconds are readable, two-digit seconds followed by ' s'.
11 h 52 min
